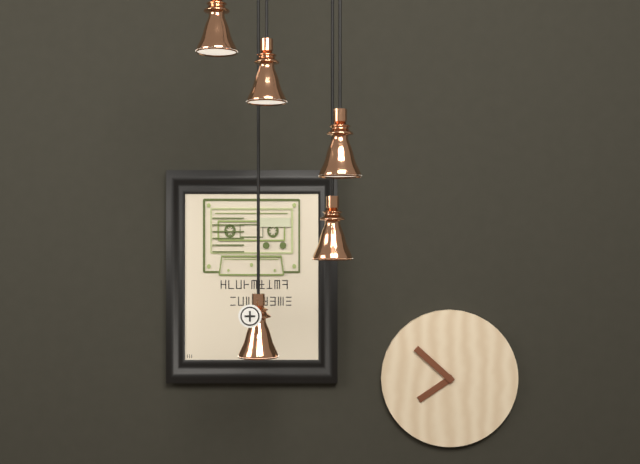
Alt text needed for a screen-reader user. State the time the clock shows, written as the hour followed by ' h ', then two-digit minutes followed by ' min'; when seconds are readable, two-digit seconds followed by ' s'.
7 h 52 min
